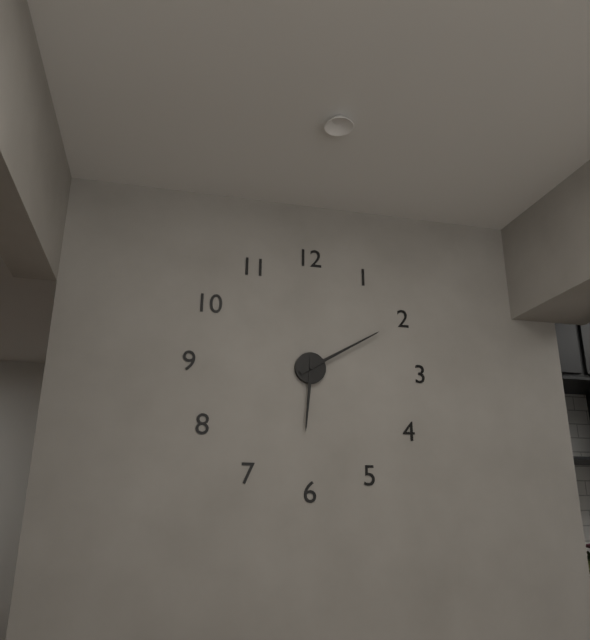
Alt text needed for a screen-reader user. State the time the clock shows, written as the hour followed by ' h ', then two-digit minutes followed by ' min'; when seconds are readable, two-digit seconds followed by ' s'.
6 h 10 min
